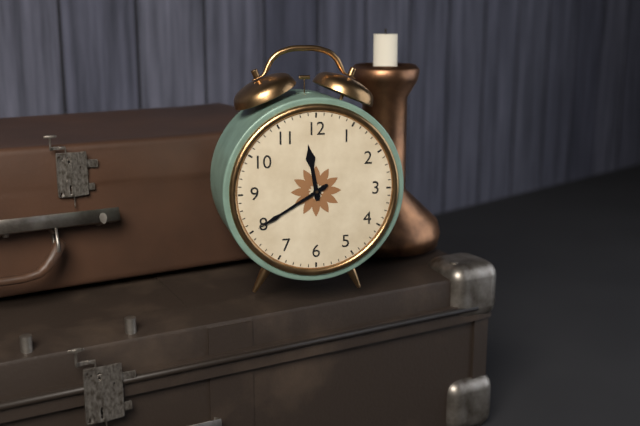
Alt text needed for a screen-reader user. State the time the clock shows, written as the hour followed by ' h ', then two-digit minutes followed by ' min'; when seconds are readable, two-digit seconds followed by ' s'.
11 h 40 min
